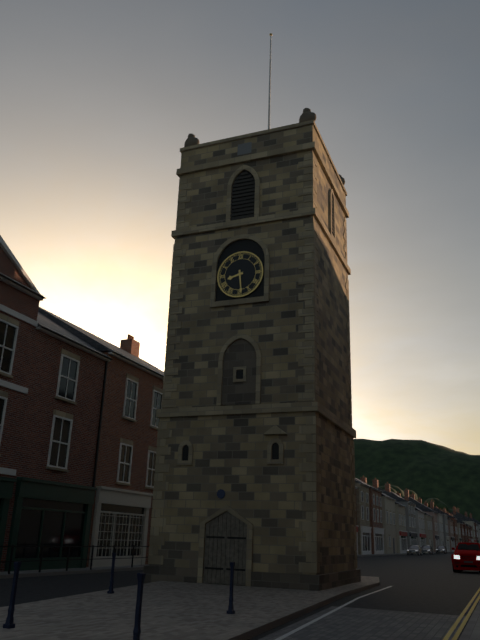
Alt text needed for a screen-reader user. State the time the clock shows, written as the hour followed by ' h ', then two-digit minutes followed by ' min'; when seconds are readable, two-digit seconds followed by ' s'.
8 h 29 min
